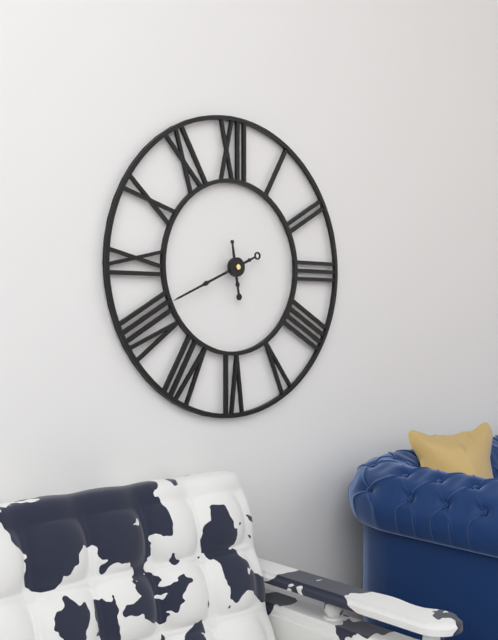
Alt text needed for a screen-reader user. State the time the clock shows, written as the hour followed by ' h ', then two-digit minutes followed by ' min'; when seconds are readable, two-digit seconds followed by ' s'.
5 h 41 min
